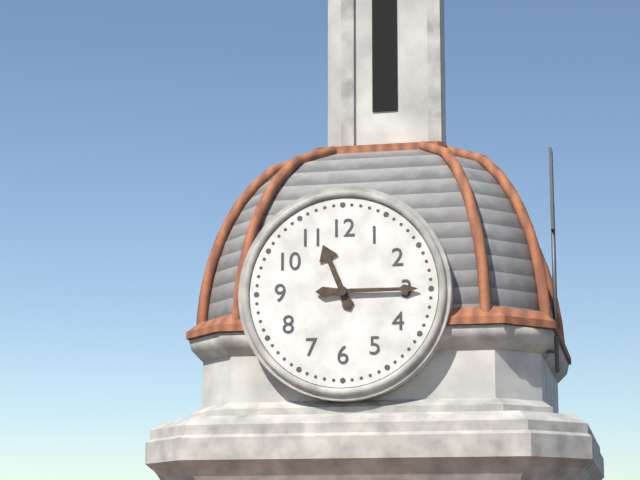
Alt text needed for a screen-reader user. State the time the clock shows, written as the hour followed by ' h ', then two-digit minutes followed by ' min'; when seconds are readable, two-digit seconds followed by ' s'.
11 h 15 min
